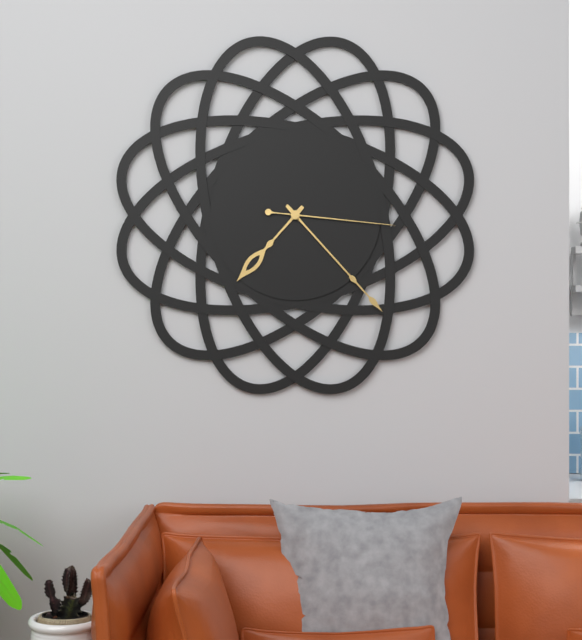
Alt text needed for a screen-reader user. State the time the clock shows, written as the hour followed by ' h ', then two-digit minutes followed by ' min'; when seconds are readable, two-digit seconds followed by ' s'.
7 h 23 min 16 s
